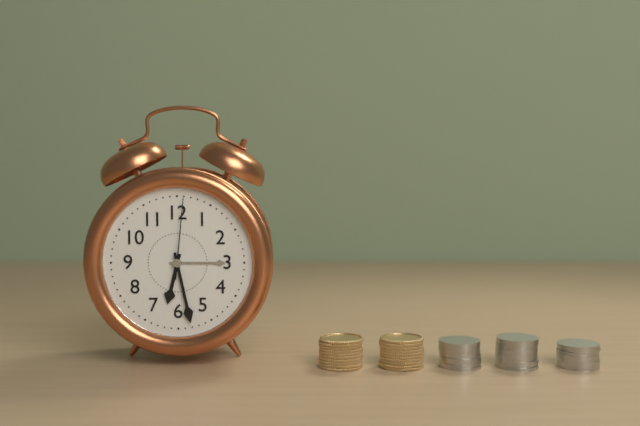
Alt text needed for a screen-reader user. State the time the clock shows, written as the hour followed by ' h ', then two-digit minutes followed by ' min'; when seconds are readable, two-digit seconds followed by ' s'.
6 h 28 min 01 s
